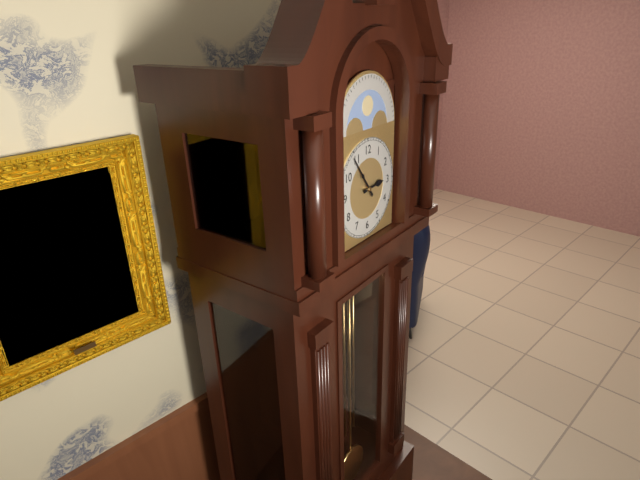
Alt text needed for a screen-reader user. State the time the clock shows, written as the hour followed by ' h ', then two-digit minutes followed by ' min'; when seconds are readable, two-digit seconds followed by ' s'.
2 h 54 min
